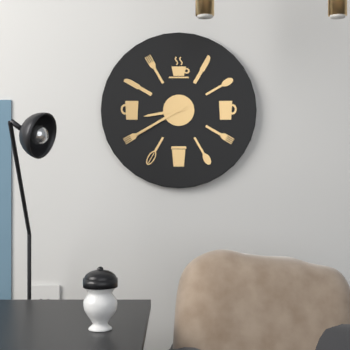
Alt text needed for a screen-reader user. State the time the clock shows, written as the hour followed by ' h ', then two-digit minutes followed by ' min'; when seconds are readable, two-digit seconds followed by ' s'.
8 h 40 min
